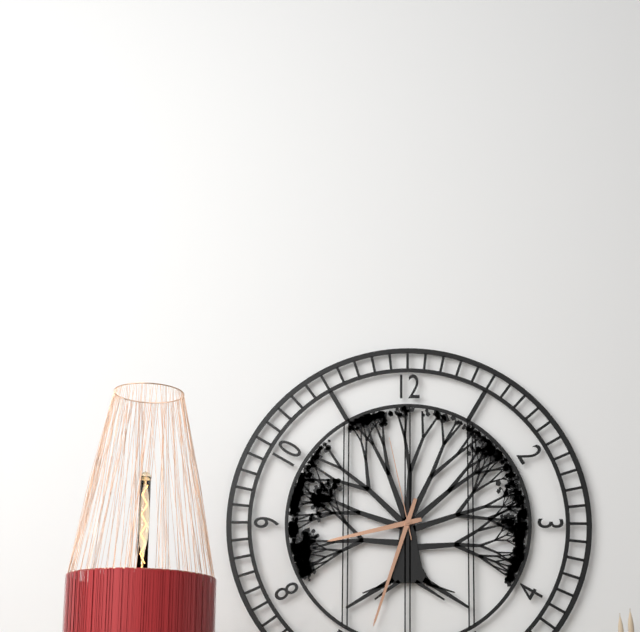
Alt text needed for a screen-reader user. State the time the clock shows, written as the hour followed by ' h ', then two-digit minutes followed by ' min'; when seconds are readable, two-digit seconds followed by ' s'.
8 h 33 min 58 s
